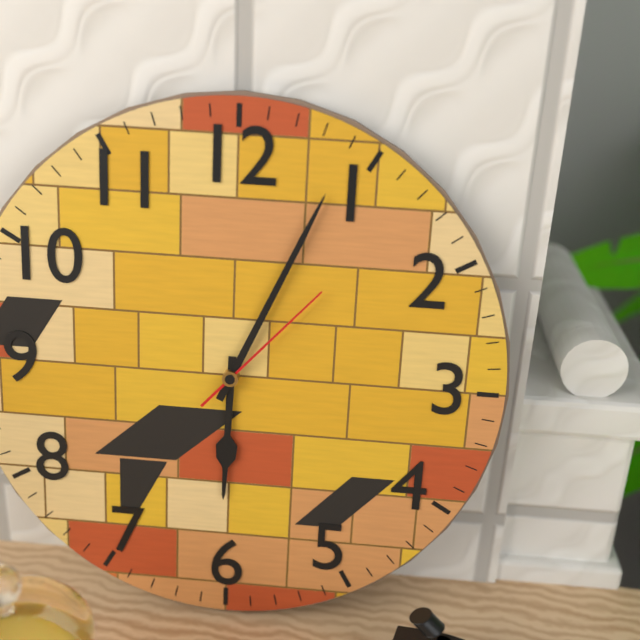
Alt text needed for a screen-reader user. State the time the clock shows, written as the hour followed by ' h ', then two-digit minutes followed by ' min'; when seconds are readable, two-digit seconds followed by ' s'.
6 h 04 min 07 s
